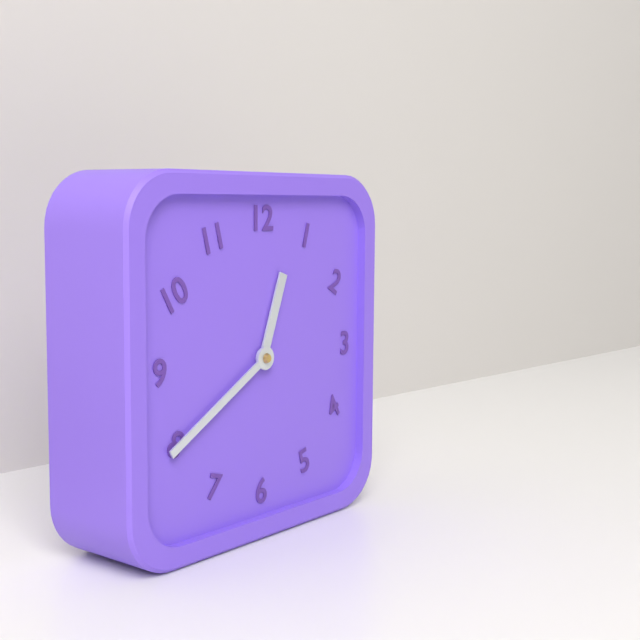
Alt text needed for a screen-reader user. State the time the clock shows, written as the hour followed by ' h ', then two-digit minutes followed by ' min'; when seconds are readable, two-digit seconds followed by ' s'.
12 h 40 min
